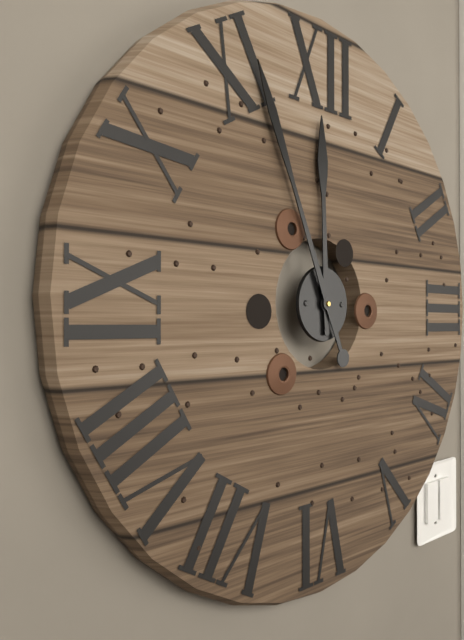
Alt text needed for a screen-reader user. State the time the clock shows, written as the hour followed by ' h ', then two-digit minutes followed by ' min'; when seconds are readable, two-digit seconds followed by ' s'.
11 h 56 min
